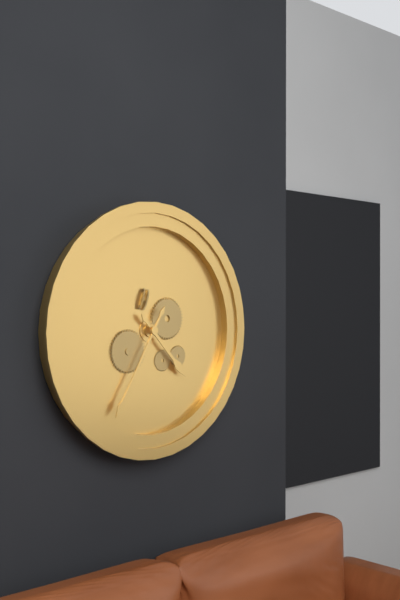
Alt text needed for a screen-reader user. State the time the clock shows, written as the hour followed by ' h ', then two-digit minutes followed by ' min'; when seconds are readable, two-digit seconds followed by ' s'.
4 h 35 min
